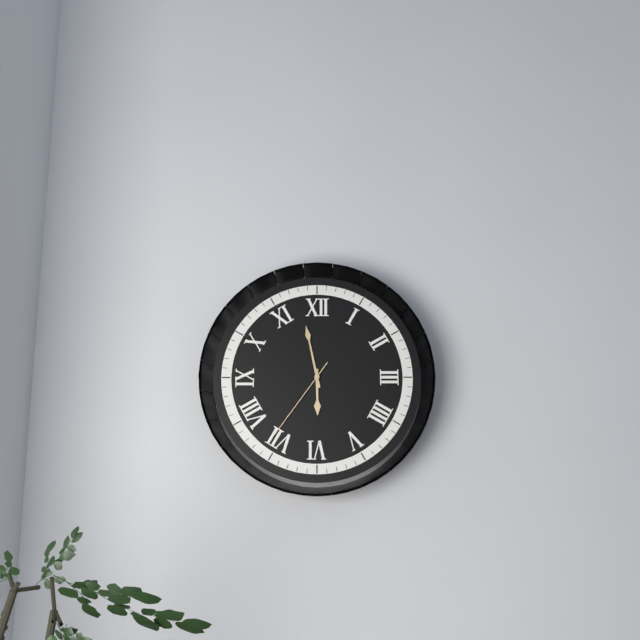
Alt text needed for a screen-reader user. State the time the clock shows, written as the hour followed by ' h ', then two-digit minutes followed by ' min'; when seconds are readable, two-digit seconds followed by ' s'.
5 h 58 min 36 s
